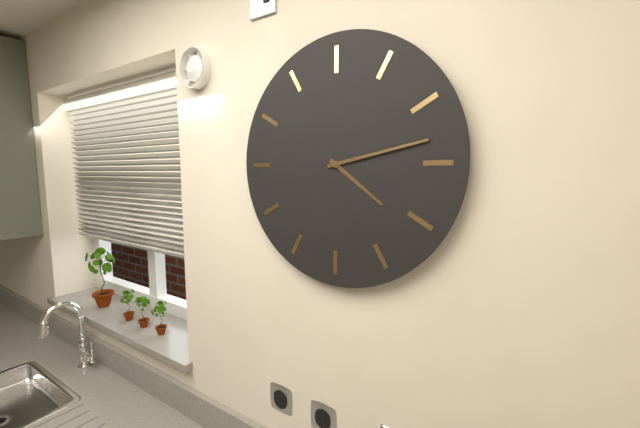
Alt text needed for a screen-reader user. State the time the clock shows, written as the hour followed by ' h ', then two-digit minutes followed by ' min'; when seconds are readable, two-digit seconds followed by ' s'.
4 h 13 min
